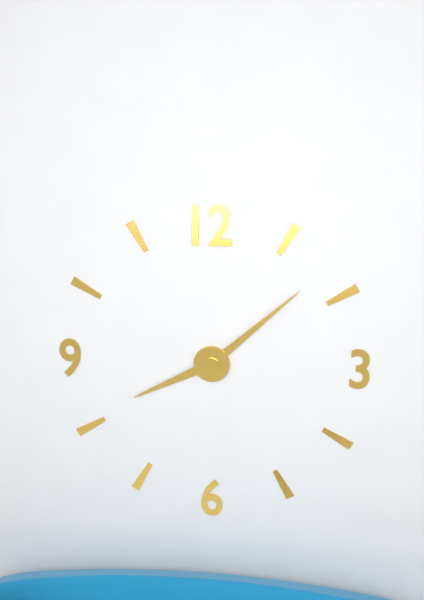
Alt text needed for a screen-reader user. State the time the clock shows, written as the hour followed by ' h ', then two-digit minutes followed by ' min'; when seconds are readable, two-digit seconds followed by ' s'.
8 h 08 min
